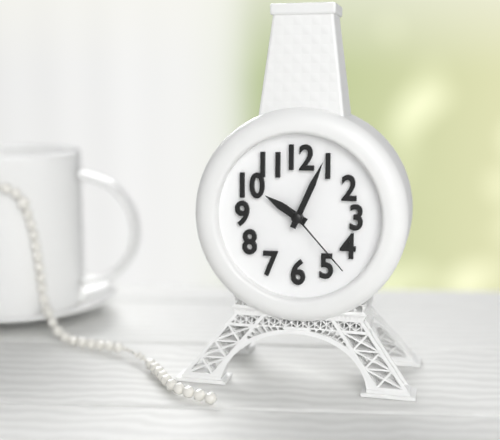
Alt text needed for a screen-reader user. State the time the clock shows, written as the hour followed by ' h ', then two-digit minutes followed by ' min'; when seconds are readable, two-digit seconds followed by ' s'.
10 h 04 min 23 s
